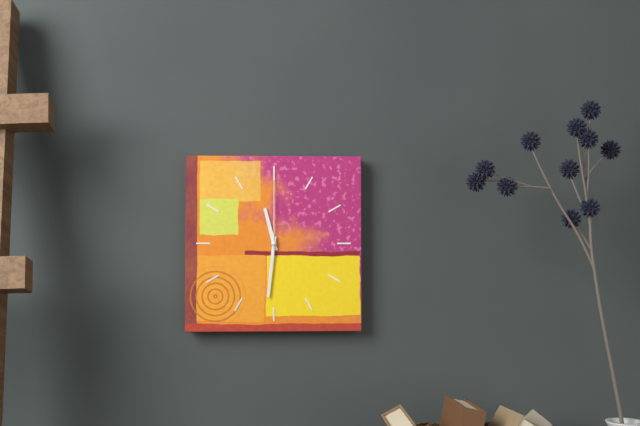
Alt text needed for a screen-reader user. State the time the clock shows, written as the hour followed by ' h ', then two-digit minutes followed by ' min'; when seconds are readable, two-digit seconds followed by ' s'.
11 h 31 min 00 s
